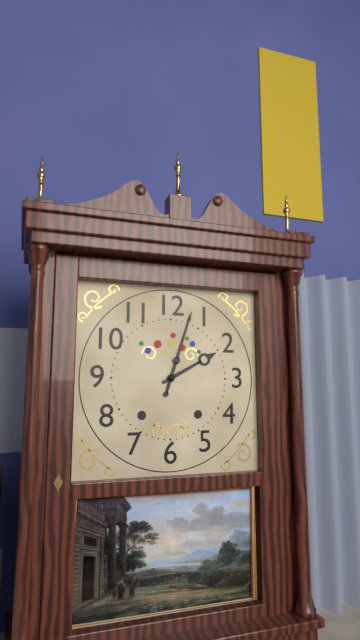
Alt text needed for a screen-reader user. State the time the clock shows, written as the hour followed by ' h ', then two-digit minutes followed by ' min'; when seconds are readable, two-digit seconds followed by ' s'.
2 h 03 min
